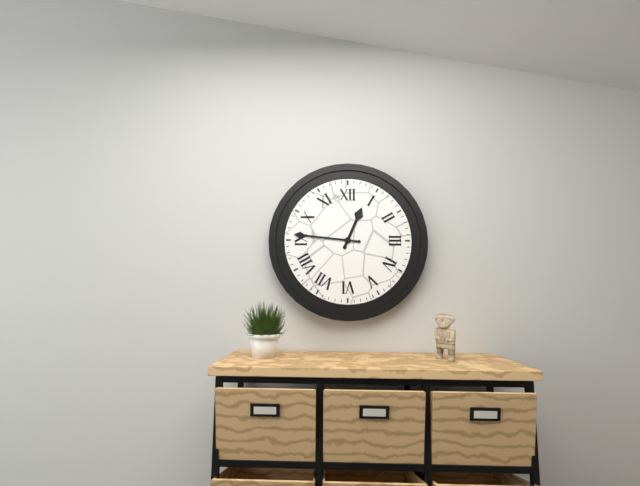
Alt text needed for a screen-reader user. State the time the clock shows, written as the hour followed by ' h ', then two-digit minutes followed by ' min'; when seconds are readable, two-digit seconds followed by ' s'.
12 h 46 min
